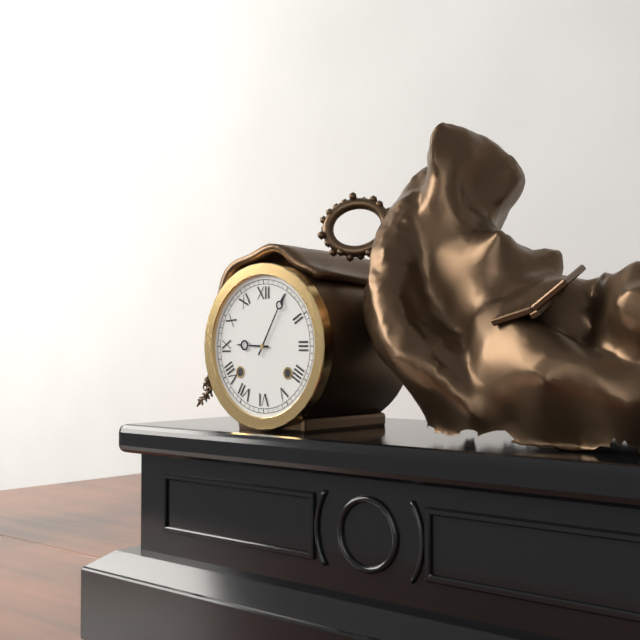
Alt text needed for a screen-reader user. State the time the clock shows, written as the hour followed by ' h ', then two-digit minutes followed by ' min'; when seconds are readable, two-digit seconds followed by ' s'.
9 h 05 min
